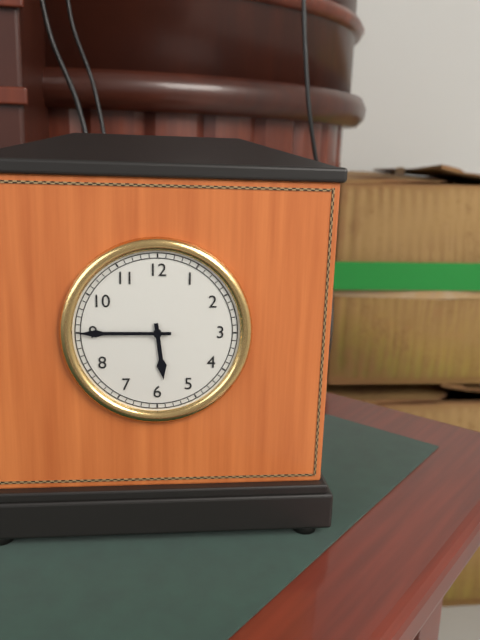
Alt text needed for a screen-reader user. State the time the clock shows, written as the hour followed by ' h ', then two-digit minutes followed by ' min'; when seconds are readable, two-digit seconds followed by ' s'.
5 h 45 min
